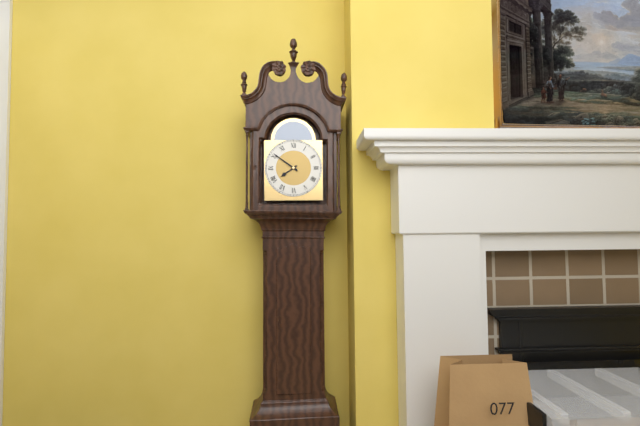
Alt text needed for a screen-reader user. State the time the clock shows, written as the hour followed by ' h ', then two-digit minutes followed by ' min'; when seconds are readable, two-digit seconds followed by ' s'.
7 h 51 min
